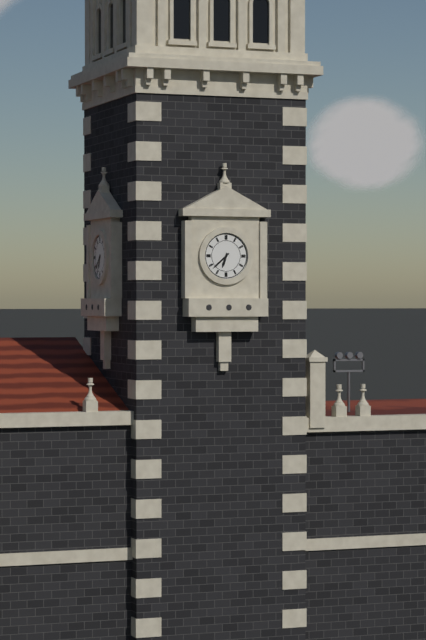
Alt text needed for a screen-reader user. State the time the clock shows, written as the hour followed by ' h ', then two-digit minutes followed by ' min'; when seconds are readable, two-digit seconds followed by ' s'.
6 h 38 min
